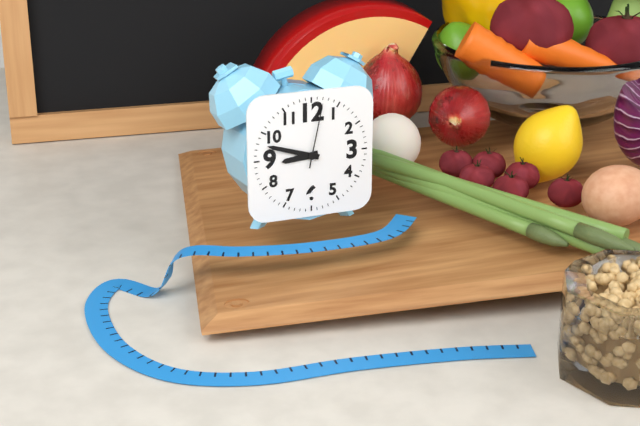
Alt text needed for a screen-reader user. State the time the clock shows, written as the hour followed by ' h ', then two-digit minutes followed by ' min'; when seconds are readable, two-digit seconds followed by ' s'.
8 h 48 min 02 s
